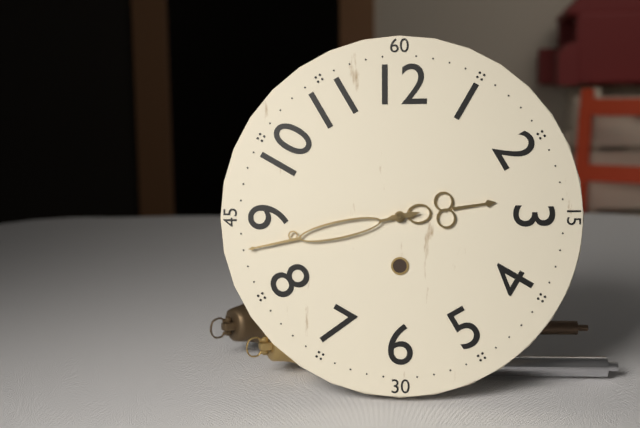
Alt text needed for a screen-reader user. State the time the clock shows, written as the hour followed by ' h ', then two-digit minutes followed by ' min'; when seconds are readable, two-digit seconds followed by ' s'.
2 h 43 min
